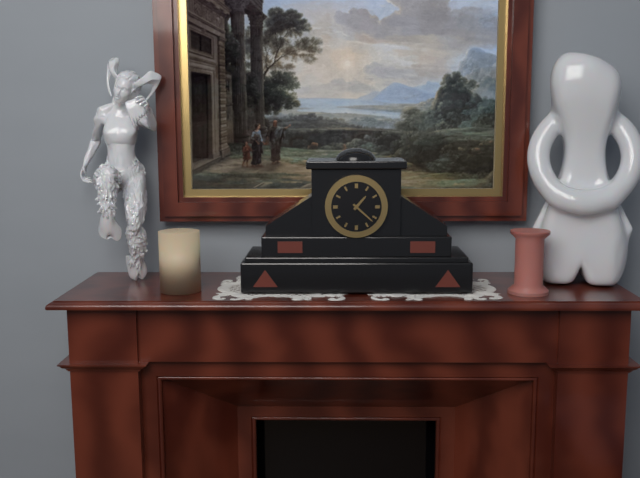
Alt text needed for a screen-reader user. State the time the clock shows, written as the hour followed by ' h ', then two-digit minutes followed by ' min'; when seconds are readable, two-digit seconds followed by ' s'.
1 h 22 min
